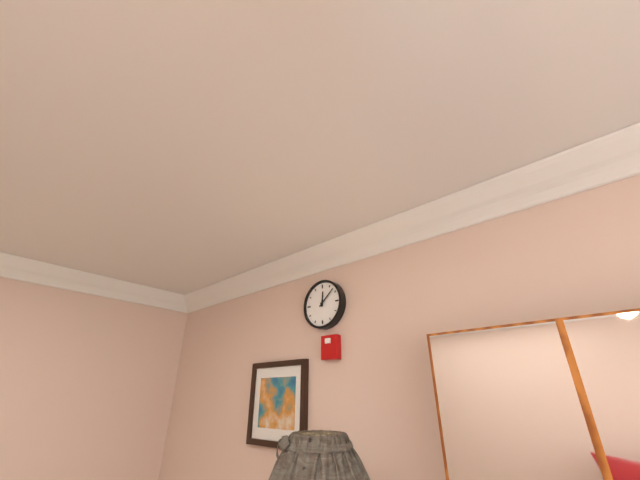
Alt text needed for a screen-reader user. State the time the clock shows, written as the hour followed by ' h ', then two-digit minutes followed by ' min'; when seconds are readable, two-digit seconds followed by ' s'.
12 h 08 min
